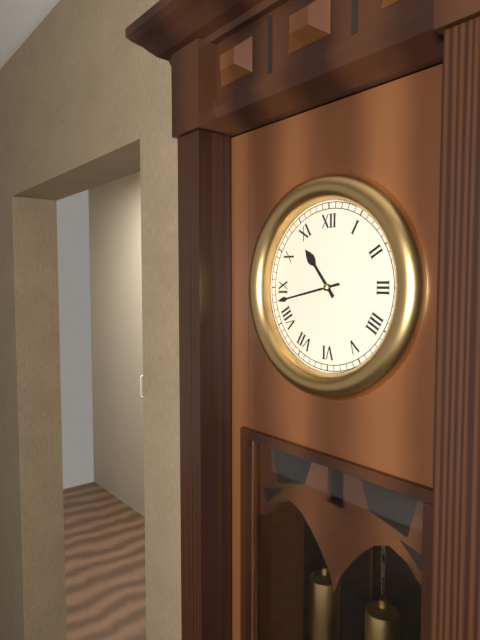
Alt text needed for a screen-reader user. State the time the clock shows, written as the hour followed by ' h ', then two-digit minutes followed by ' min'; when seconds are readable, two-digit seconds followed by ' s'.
10 h 43 min
